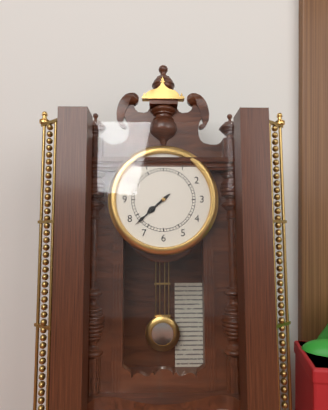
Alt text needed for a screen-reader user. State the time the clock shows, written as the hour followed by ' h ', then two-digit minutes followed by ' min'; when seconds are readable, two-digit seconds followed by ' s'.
7 h 38 min
